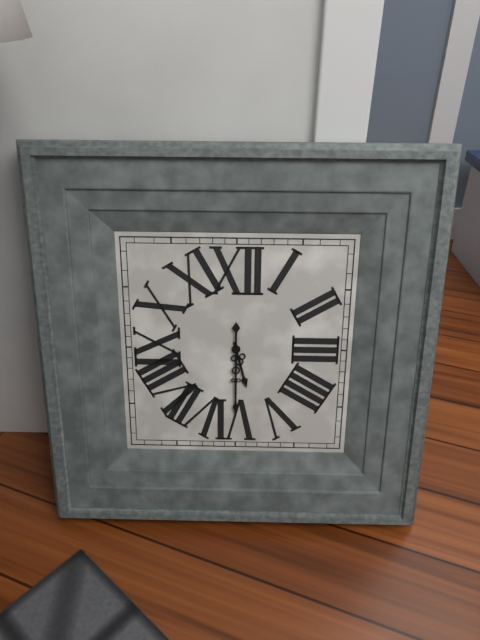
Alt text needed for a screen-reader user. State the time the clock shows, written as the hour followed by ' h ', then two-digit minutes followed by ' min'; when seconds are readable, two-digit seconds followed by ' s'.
5 h 30 min
